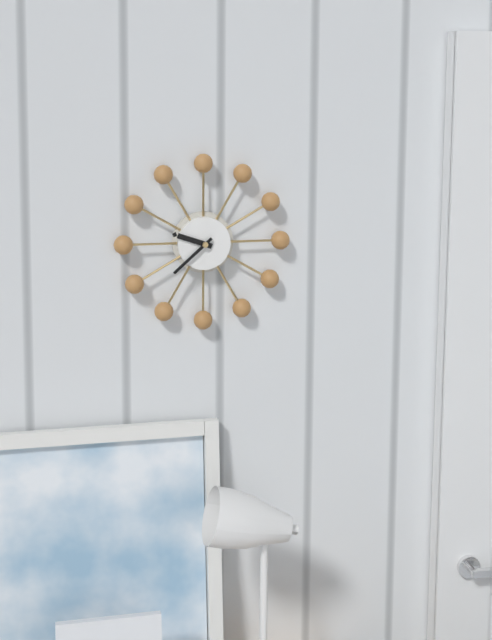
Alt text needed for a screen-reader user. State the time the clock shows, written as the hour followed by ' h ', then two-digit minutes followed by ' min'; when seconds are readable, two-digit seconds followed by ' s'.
9 h 38 min
